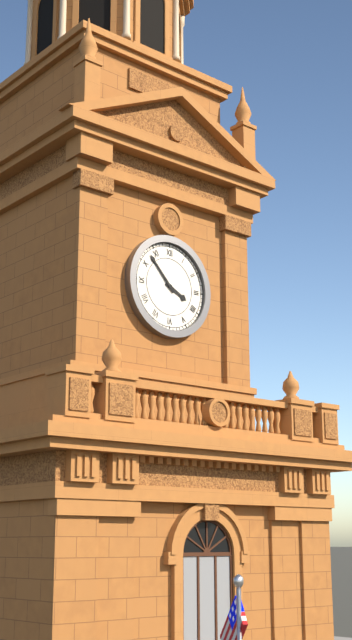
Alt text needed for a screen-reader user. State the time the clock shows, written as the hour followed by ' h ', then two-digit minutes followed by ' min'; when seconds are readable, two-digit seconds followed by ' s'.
3 h 53 min
